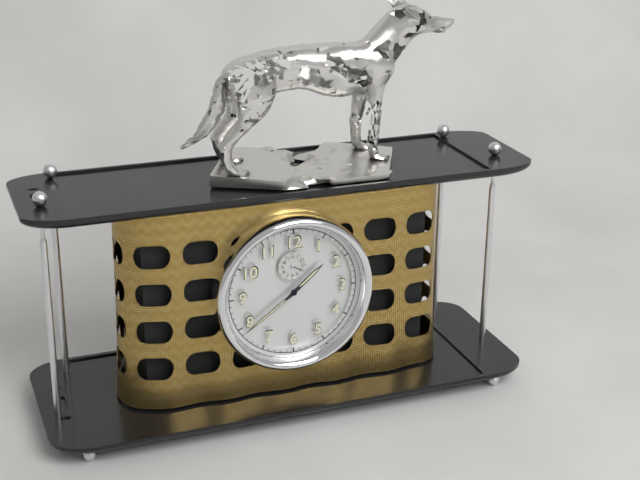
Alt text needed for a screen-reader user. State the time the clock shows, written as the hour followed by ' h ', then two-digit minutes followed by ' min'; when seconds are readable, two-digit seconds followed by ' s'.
1 h 39 min
